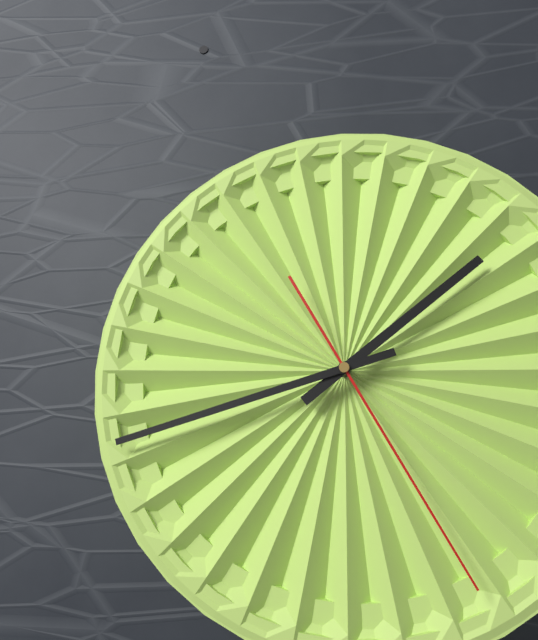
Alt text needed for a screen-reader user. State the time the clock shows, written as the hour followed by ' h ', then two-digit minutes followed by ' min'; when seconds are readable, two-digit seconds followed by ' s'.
1 h 42 min 25 s
